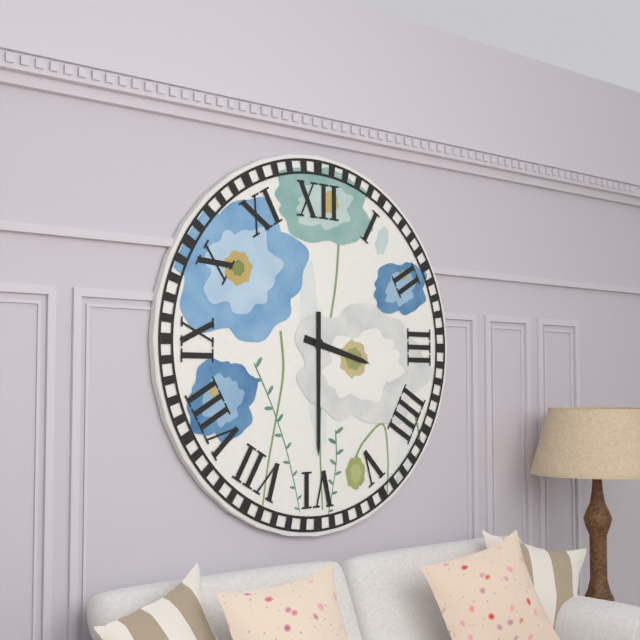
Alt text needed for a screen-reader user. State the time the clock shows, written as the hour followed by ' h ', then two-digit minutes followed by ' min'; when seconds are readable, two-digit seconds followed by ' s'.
3 h 30 min
